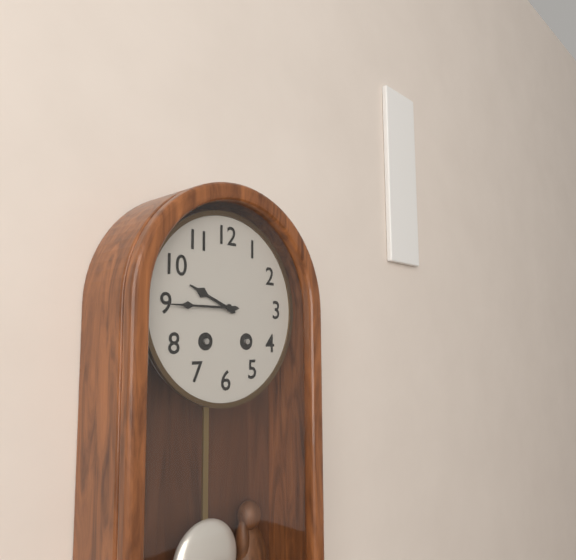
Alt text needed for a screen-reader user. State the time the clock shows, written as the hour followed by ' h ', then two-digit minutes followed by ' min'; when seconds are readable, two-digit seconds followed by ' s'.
9 h 45 min
